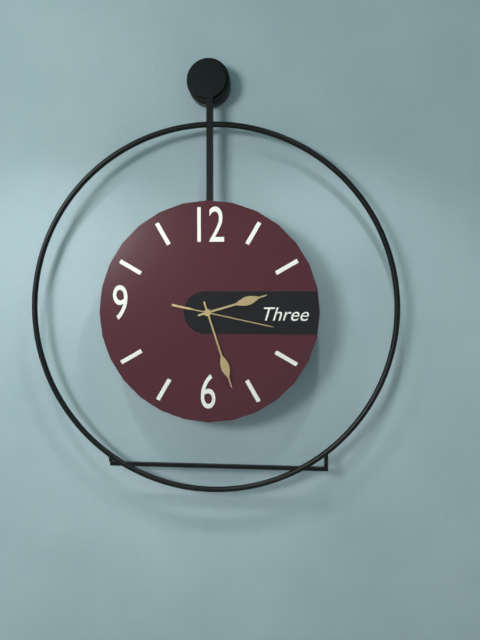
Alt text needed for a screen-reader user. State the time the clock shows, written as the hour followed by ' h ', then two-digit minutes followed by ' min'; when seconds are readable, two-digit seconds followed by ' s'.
2 h 27 min 17 s
